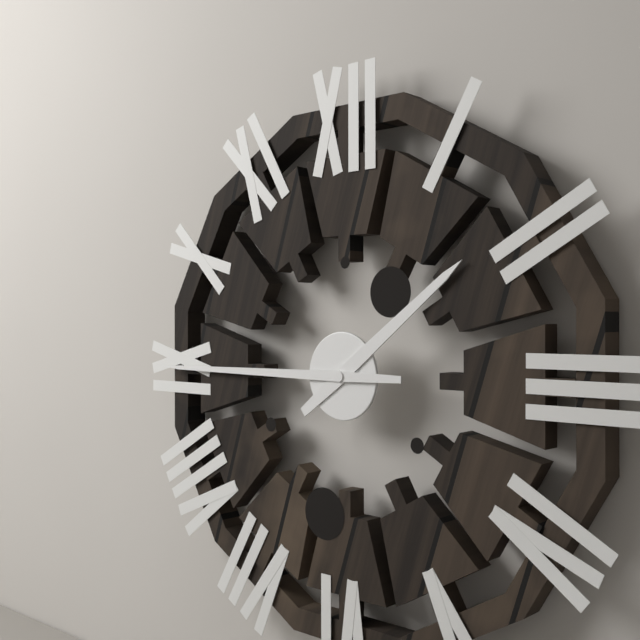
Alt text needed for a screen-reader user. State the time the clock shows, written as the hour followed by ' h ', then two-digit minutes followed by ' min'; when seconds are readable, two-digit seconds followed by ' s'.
1 h 45 min
